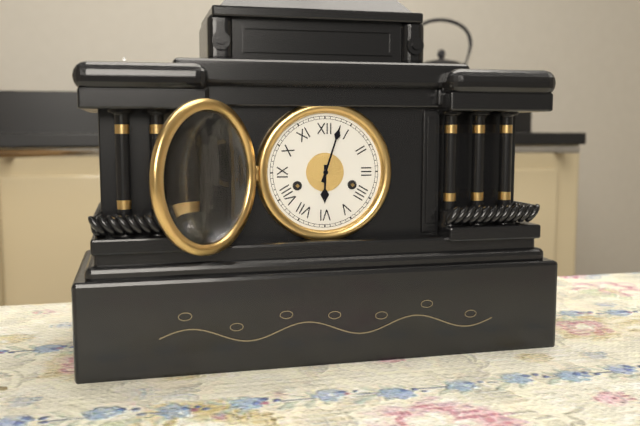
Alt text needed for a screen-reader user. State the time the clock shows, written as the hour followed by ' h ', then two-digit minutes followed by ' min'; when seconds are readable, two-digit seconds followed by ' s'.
6 h 03 min
